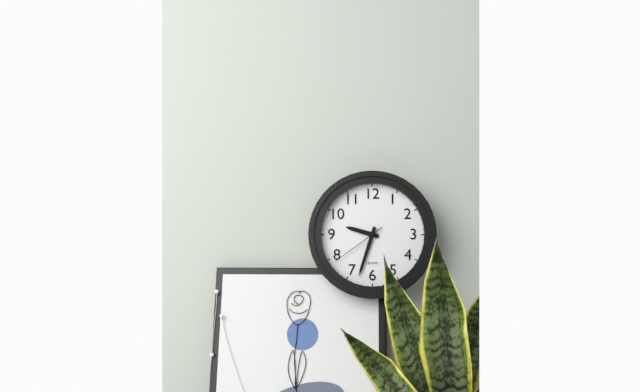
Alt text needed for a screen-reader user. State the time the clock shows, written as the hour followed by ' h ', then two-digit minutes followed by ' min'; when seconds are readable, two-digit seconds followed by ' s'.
9 h 33 min 39 s
